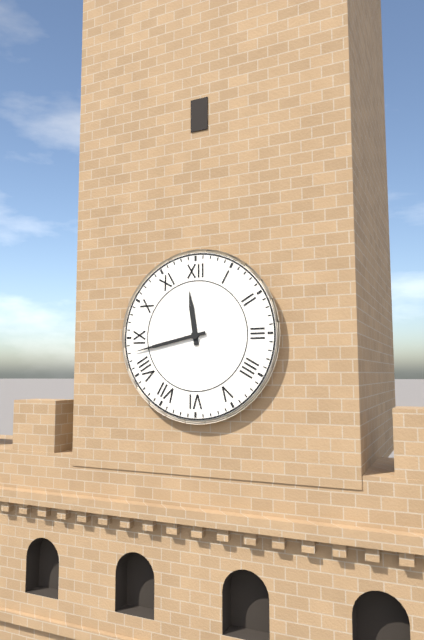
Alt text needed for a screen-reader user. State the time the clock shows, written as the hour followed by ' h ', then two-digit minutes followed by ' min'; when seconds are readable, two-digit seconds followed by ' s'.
11 h 43 min
